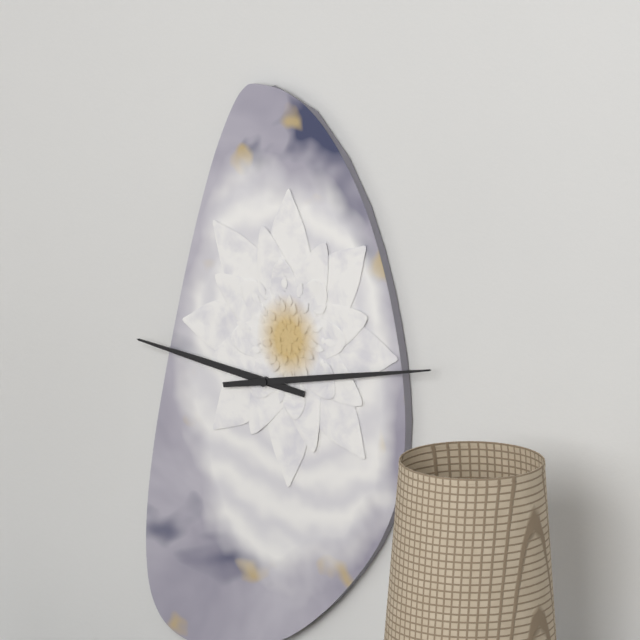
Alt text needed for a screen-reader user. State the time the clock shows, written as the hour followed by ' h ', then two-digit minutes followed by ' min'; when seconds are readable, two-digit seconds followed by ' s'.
9 h 13 min
